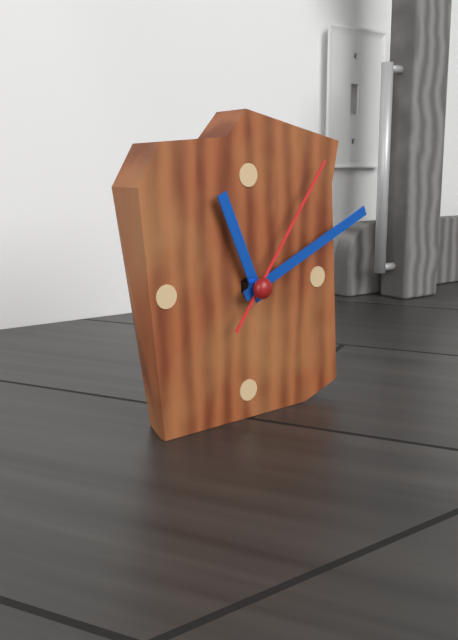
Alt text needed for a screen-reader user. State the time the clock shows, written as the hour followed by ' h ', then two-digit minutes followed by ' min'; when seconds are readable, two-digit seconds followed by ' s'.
11 h 11 min 06 s
